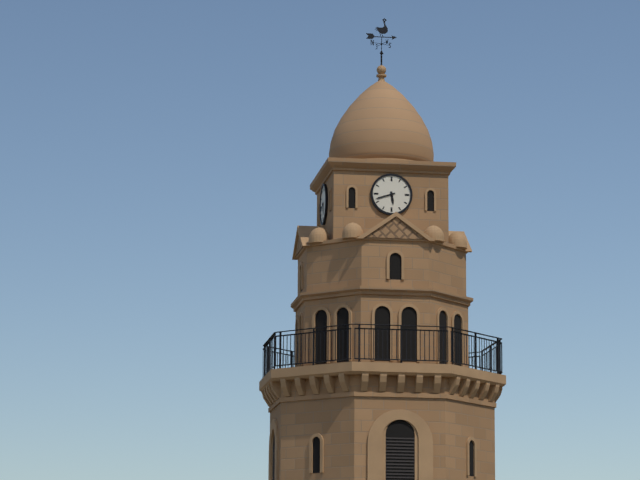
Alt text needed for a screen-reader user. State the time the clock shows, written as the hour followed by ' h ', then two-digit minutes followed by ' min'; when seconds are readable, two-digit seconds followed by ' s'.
5 h 42 min
